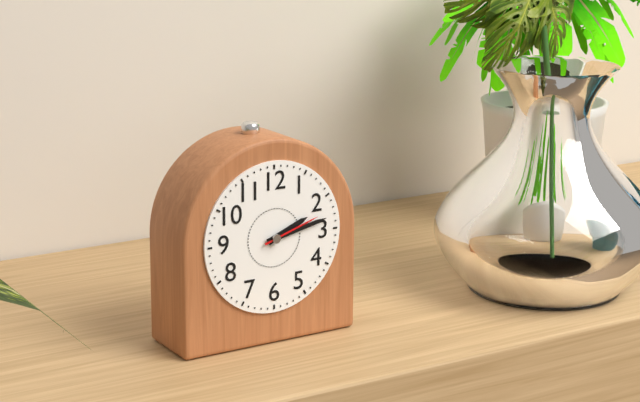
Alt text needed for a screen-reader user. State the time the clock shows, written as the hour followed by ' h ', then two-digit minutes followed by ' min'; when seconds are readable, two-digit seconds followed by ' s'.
2 h 13 min 12 s
